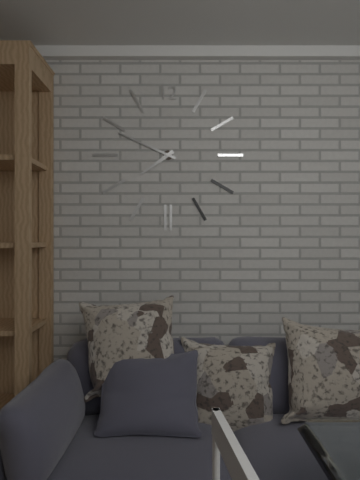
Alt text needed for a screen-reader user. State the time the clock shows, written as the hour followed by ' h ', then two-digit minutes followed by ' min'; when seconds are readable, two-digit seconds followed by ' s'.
7 h 49 min
